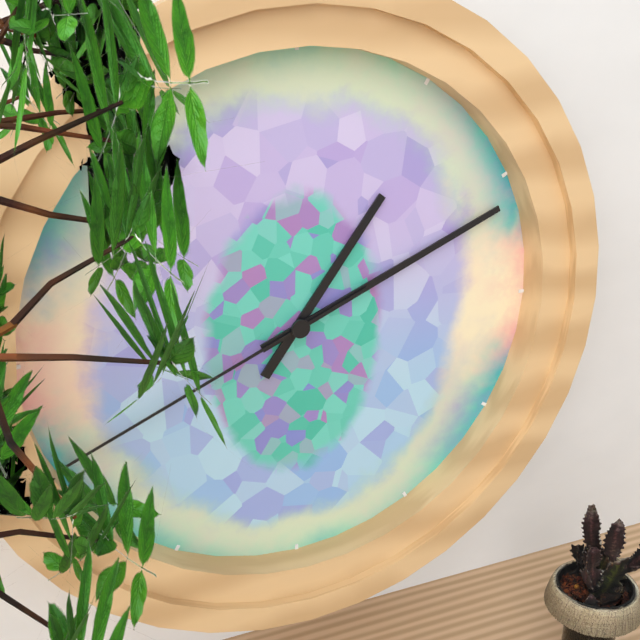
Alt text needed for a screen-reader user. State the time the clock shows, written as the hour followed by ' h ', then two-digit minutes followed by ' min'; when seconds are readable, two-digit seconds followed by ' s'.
1 h 11 min 41 s
